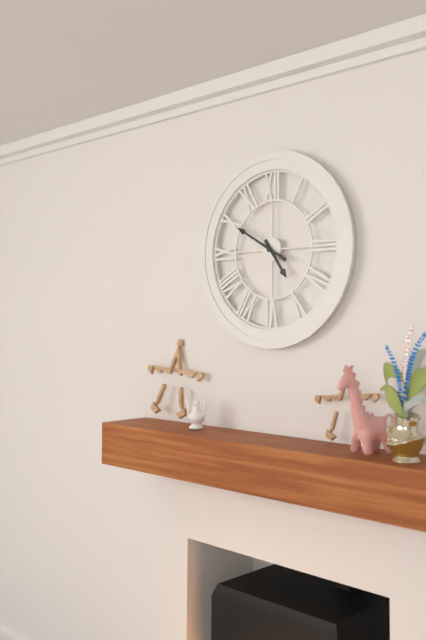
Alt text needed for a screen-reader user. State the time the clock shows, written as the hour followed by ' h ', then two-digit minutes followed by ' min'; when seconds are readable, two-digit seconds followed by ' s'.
4 h 50 min
